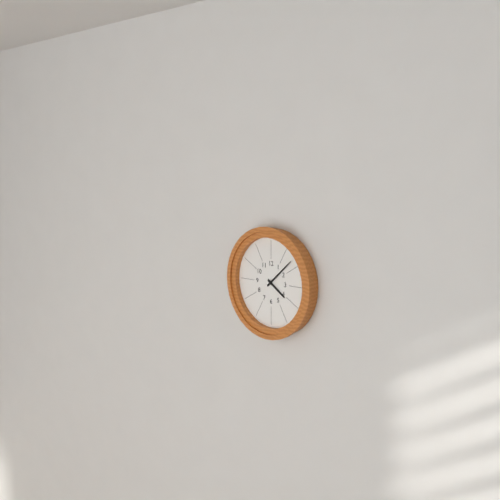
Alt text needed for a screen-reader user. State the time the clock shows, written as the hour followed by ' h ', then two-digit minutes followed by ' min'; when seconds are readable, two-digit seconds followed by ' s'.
4 h 08 min
